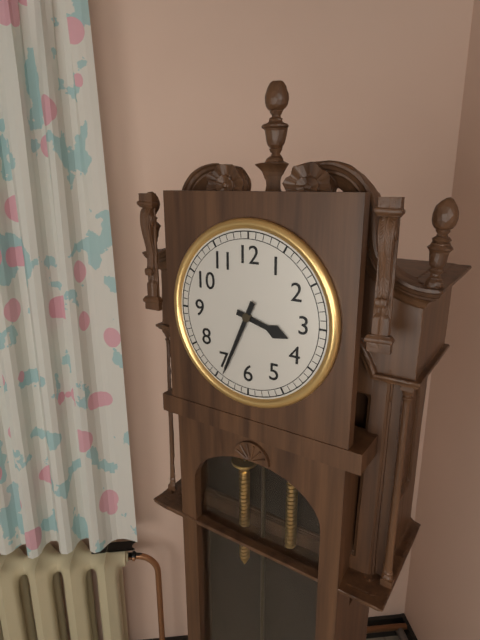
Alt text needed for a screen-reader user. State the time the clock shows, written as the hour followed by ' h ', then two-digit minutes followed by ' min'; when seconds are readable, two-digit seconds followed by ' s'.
3 h 34 min
